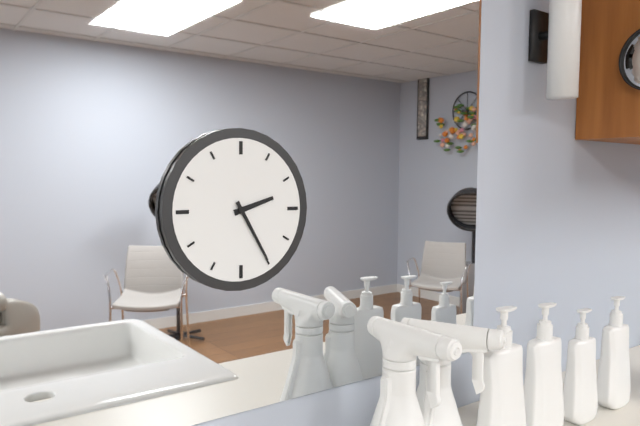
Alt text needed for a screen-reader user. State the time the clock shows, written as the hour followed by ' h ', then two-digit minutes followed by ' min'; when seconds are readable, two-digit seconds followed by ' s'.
2 h 25 min
